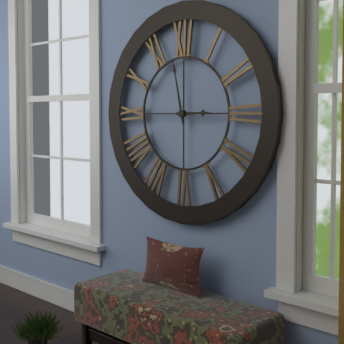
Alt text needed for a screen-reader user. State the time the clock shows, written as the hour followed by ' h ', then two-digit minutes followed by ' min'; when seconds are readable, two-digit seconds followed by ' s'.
2 h 58 min
